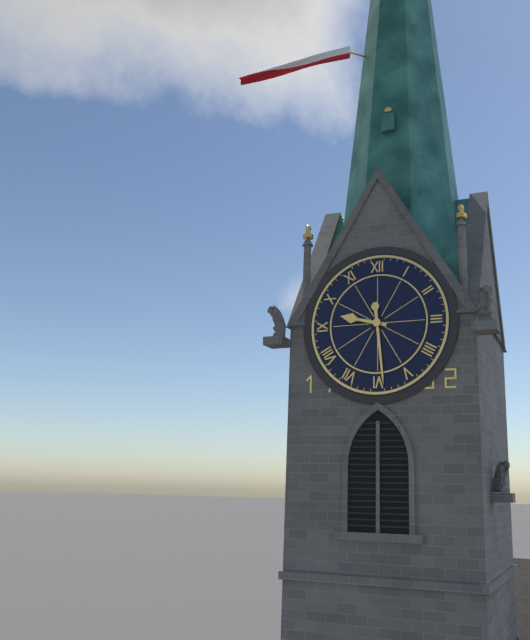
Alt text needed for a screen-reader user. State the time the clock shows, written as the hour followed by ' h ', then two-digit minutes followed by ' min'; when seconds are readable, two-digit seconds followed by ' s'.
9 h 29 min
